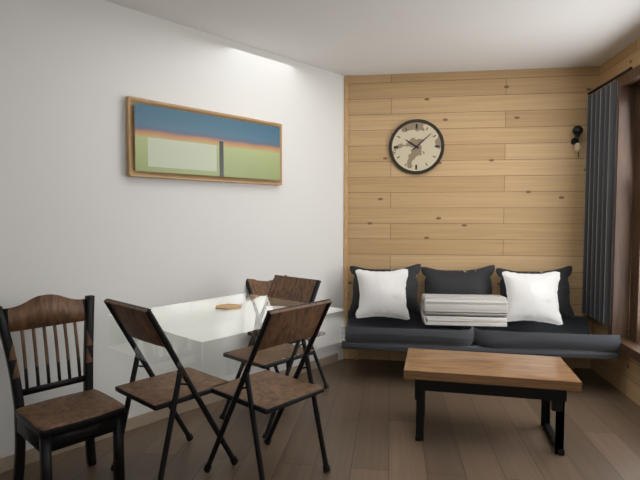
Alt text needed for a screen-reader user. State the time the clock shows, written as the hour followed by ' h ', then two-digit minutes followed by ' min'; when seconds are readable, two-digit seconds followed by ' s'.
10 h 08 min
